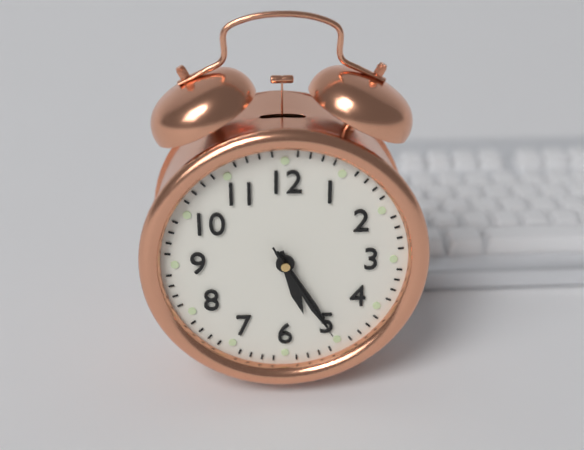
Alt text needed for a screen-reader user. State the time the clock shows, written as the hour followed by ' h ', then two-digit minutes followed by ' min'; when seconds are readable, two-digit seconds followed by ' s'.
5 h 25 min 25 s
